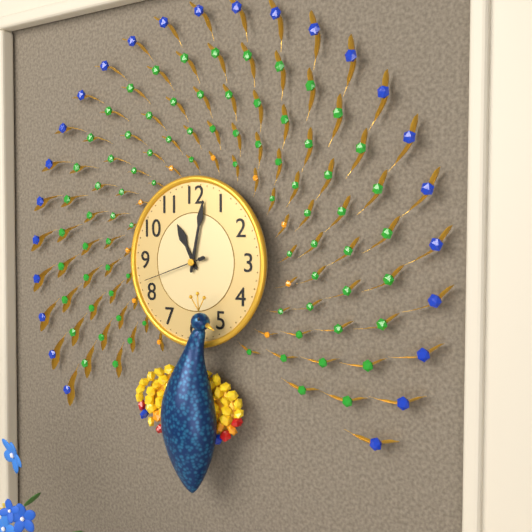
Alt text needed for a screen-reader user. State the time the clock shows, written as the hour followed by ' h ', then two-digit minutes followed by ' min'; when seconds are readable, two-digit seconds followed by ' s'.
11 h 02 min 42 s
